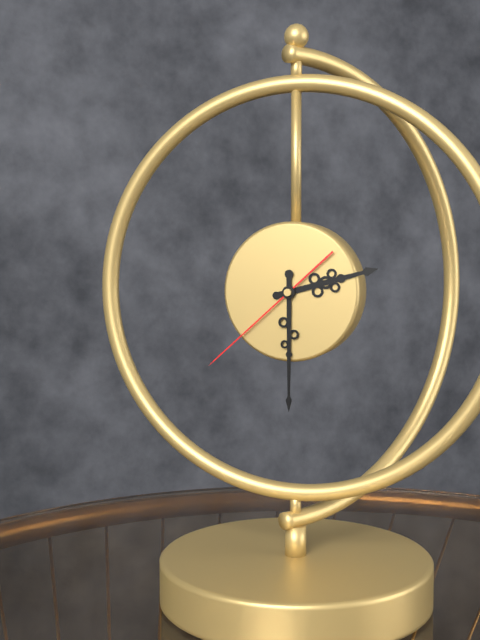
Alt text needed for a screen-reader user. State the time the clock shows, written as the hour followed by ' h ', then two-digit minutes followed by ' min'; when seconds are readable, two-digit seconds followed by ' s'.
2 h 30 min 38 s
